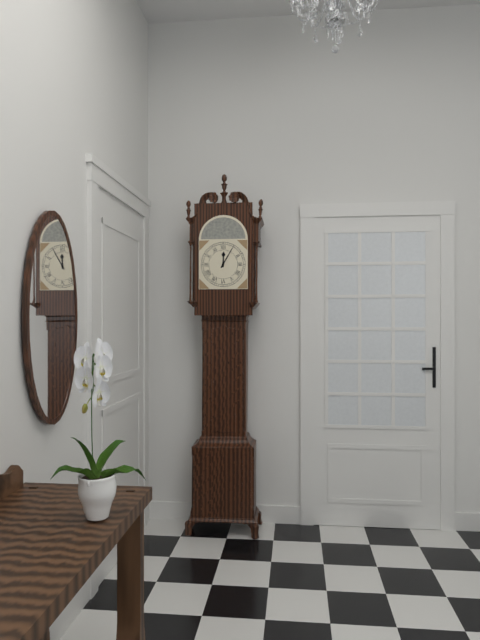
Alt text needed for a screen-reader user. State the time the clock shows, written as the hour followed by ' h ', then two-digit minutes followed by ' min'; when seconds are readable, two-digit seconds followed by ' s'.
12 h 05 min
